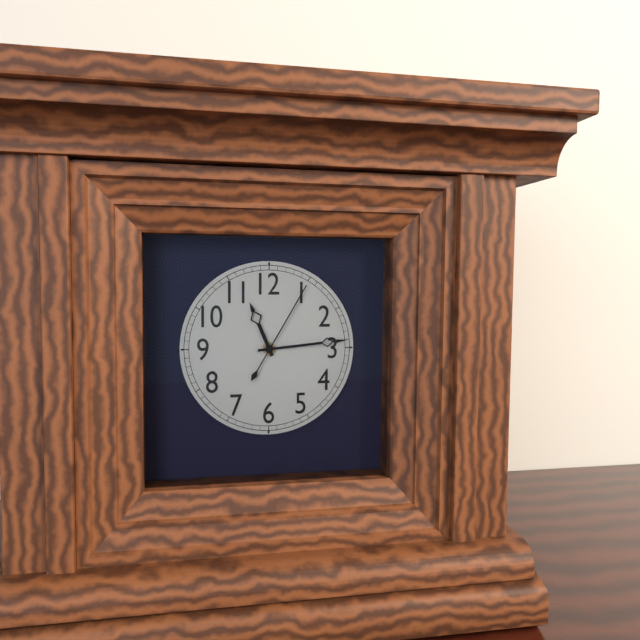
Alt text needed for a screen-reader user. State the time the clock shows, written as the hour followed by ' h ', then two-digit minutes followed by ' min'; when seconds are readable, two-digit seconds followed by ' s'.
11 h 14 min 05 s
